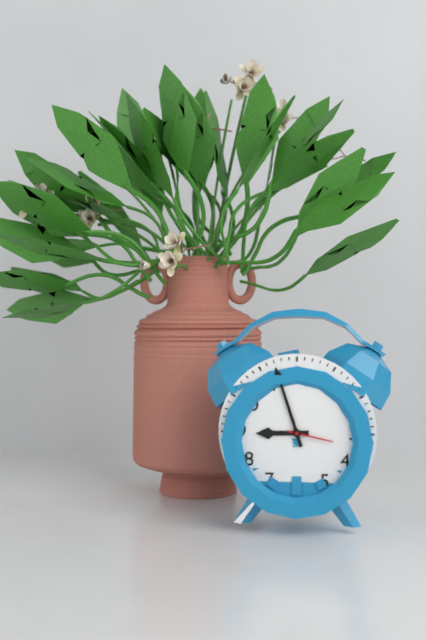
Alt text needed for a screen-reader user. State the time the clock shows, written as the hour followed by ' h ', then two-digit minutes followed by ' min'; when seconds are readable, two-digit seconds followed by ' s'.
8 h 57 min
